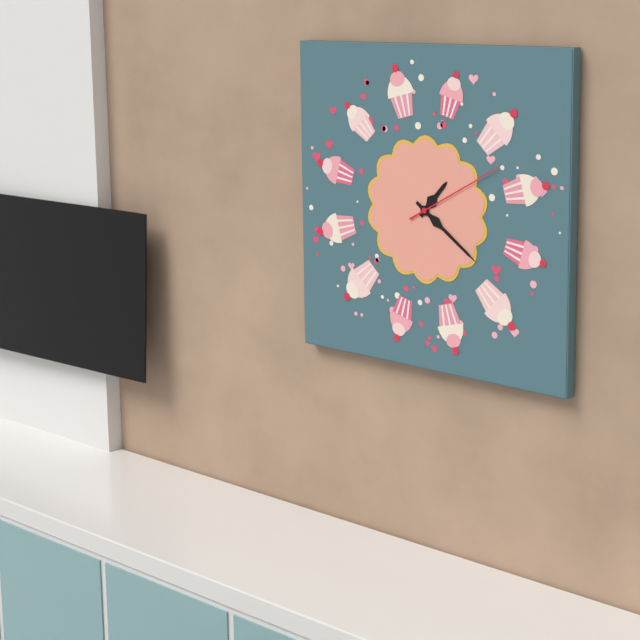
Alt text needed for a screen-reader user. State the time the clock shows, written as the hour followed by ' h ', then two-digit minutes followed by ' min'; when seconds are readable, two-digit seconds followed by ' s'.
1 h 21 min 10 s
